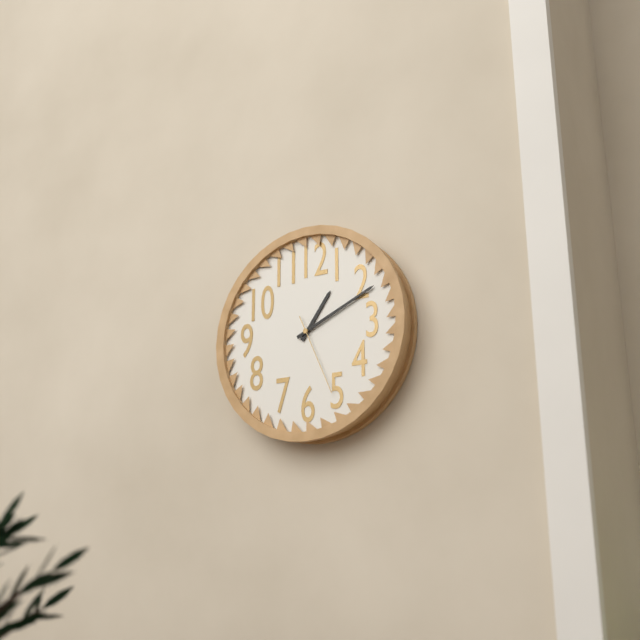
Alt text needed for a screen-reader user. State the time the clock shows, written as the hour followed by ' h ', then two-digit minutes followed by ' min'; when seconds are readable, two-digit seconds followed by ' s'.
1 h 11 min 26 s
